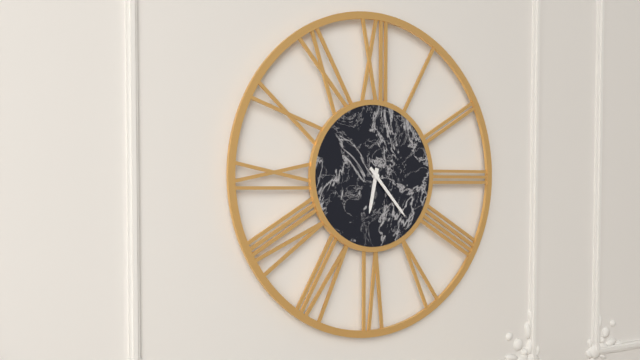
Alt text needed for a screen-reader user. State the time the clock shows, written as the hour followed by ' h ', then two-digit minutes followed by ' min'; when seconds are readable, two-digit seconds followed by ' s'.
6 h 23 min
